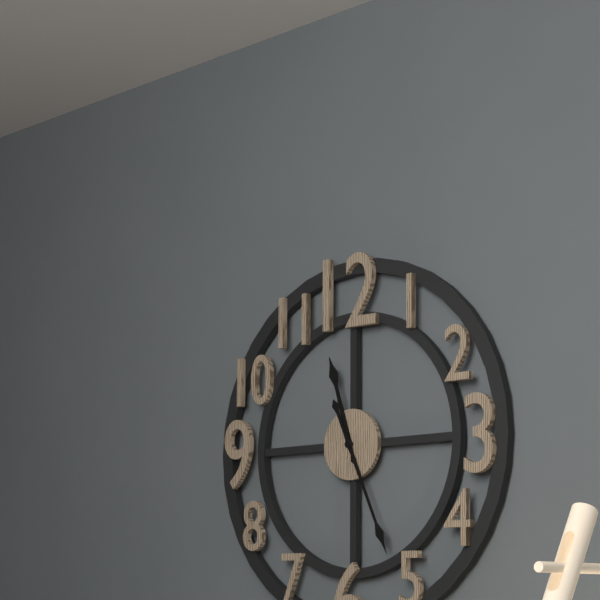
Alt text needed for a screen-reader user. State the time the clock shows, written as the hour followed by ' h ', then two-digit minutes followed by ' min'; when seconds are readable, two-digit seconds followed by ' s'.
11 h 26 min
